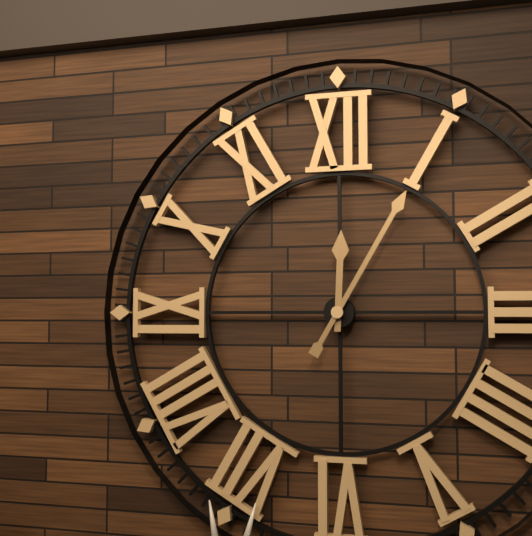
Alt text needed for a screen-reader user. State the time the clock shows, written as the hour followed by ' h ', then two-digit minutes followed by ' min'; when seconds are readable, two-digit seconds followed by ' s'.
12 h 05 min
